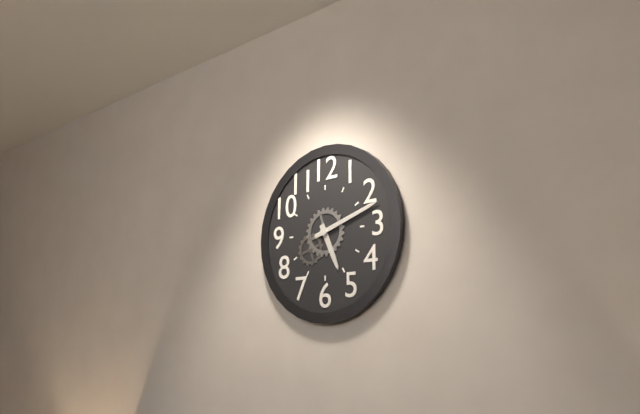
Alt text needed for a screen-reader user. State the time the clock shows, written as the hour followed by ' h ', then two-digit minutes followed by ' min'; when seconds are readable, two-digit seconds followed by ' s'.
5 h 12 min
